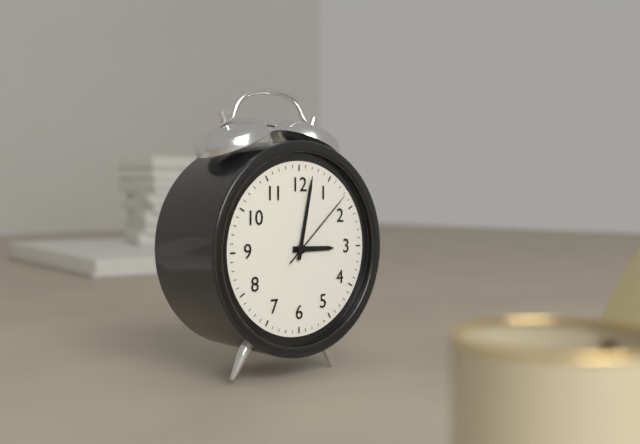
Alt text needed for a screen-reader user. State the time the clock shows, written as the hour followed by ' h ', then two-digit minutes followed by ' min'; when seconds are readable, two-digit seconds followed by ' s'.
3 h 02 min 08 s
